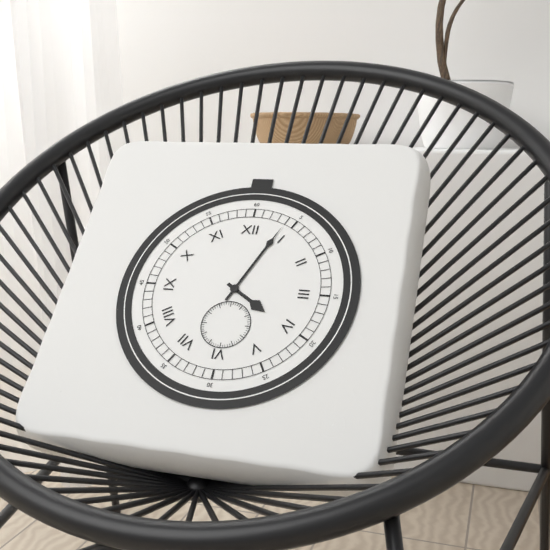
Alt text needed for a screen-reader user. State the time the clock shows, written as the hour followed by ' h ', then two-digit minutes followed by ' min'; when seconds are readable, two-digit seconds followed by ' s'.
4 h 04 min
